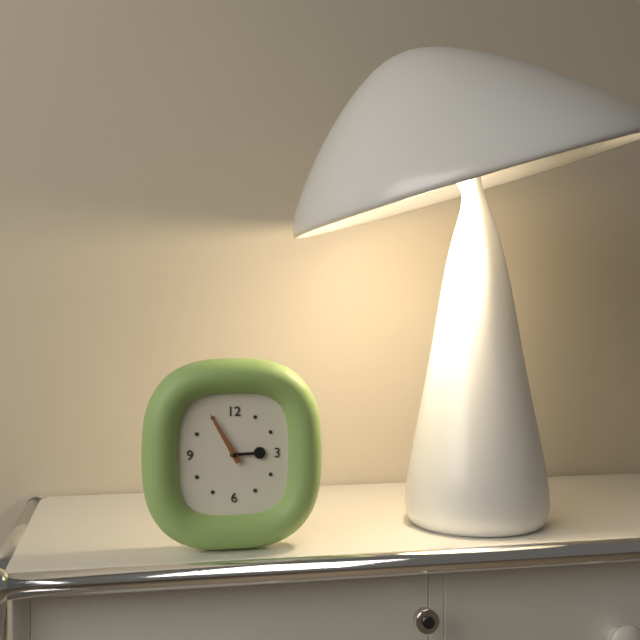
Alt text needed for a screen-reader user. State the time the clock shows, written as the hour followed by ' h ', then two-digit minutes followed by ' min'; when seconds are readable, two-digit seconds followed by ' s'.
2 h 55 min
